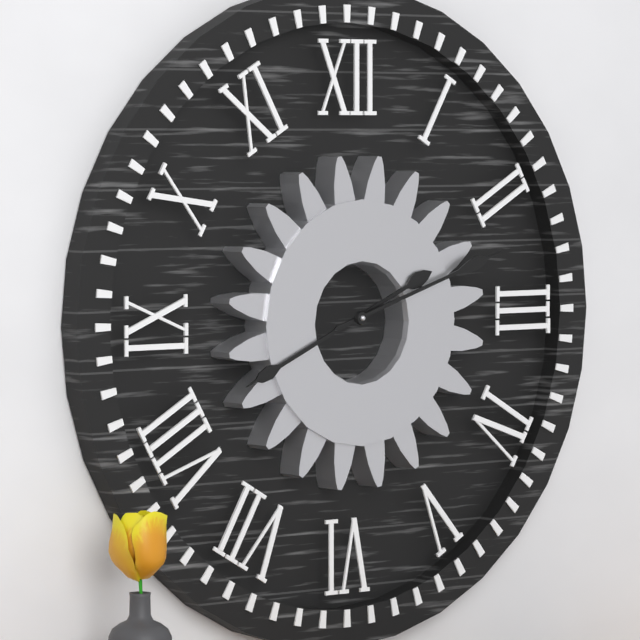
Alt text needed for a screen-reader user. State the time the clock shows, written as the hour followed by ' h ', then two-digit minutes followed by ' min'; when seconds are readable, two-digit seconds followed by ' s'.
8 h 12 min
